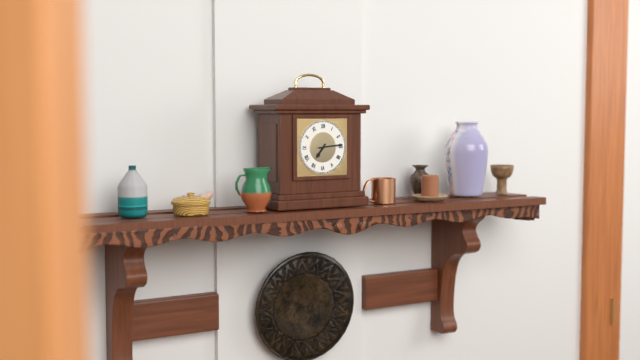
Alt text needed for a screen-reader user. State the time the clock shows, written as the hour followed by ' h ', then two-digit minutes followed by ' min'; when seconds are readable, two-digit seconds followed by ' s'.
7 h 14 min
